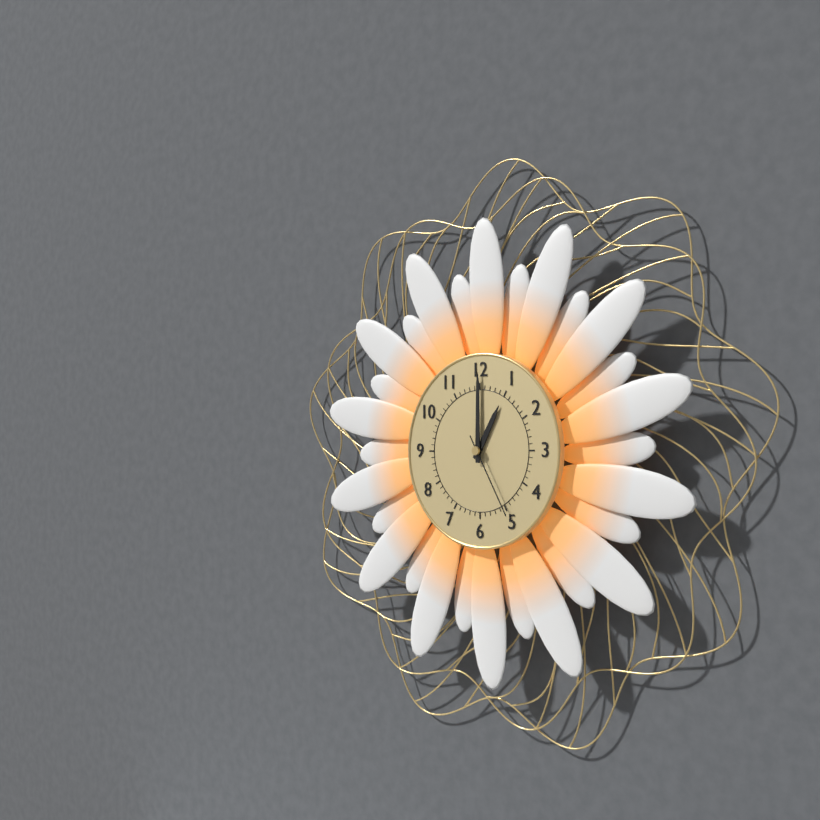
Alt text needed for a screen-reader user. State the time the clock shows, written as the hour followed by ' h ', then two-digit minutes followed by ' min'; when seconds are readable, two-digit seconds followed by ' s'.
1 h 00 min 25 s
